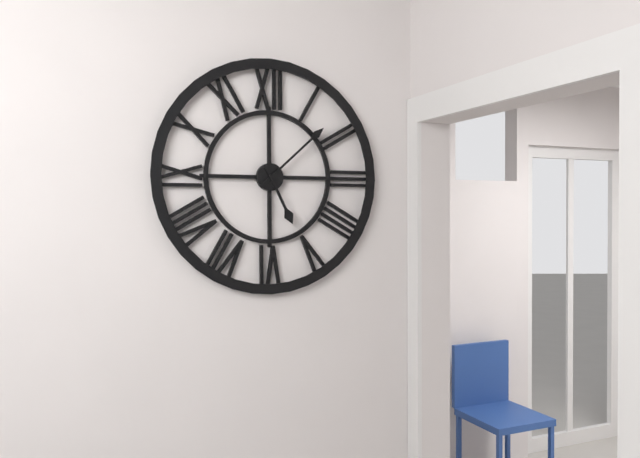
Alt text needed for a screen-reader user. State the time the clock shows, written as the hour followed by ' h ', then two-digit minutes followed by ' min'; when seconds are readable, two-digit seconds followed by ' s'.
5 h 08 min
